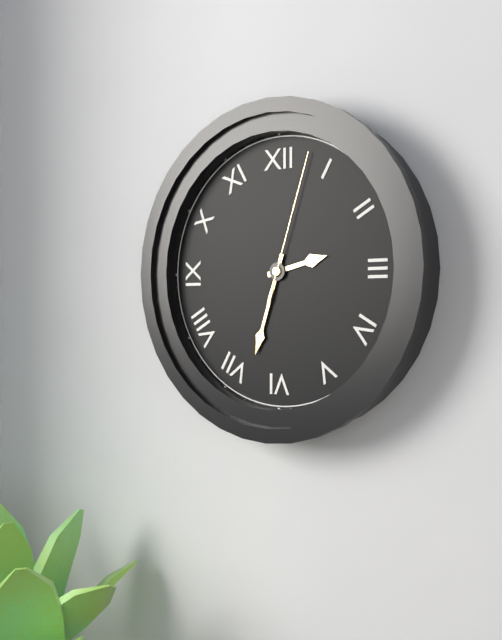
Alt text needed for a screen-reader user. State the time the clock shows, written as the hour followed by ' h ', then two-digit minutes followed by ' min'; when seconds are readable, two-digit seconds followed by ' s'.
2 h 33 min 03 s
